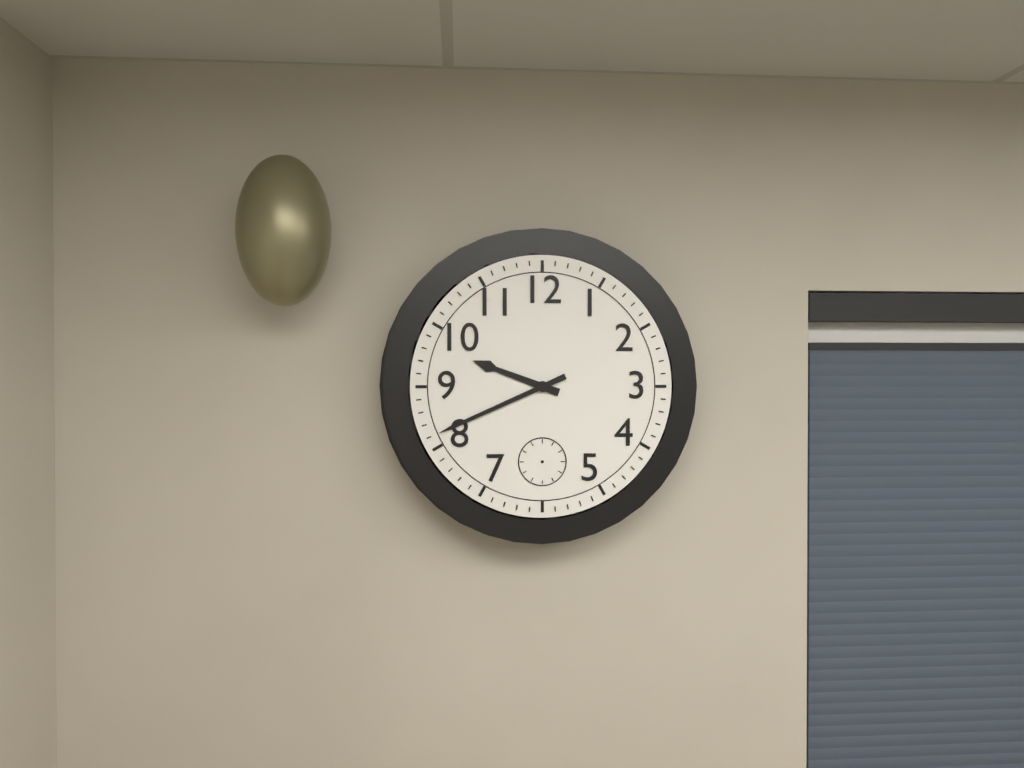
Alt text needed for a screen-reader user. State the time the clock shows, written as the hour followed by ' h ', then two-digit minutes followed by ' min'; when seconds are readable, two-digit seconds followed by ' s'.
9 h 41 min
